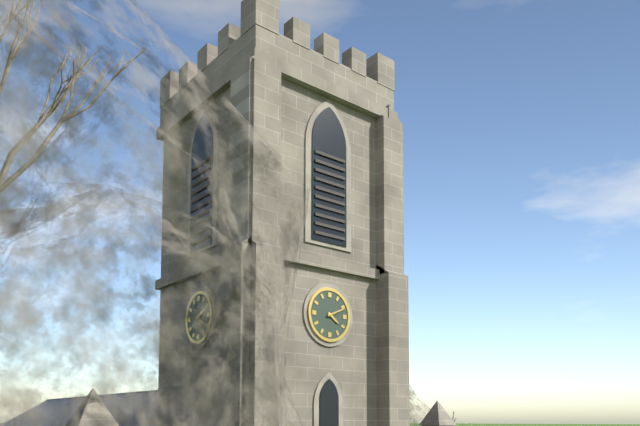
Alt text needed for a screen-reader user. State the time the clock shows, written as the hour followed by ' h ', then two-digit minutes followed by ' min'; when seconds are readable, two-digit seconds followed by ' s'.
4 h 11 min
